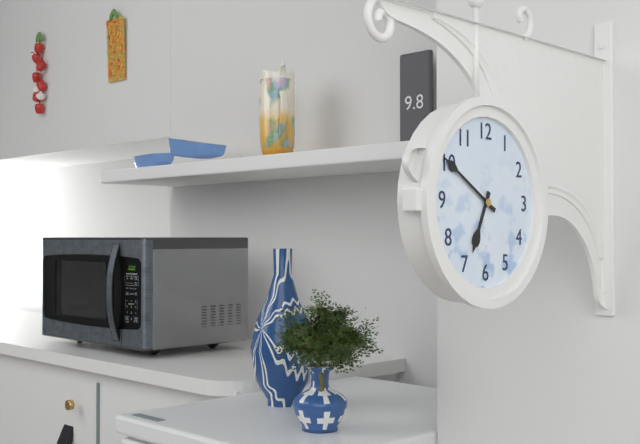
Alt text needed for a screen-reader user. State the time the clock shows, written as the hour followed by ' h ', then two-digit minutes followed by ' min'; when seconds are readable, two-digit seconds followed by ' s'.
6 h 50 min
